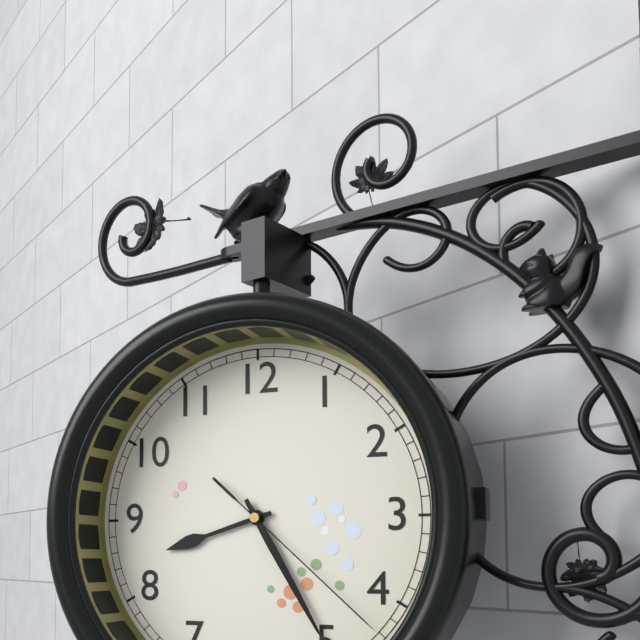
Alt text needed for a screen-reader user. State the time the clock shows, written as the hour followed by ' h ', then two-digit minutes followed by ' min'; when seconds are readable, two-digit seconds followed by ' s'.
8 h 25 min 22 s
